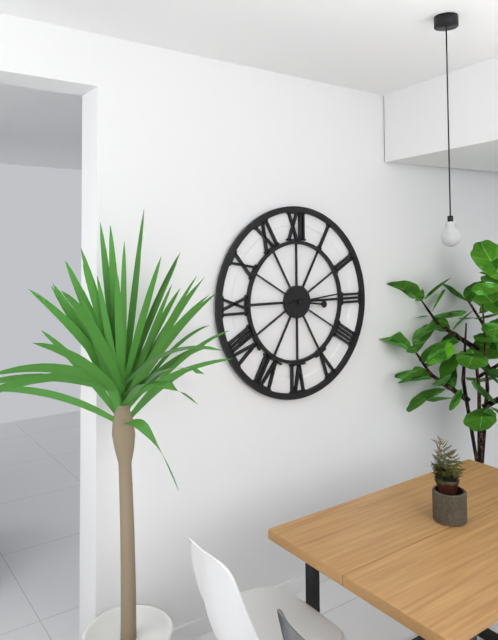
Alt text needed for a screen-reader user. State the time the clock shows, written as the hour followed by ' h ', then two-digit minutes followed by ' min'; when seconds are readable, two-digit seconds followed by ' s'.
3 h 14 min
